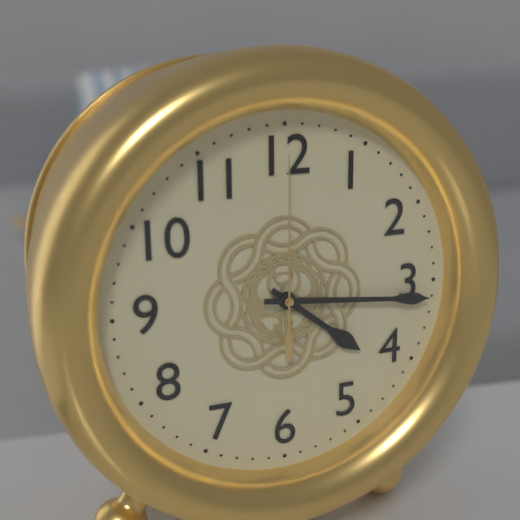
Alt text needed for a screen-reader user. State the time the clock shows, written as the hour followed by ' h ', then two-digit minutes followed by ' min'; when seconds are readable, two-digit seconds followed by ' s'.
4 h 16 min 00 s
